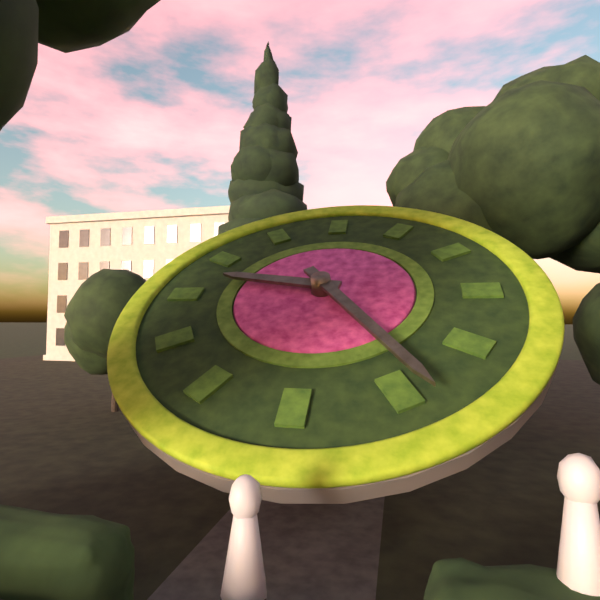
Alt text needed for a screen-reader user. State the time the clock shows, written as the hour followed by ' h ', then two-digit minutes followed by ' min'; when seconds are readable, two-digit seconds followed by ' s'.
9 h 24 min
